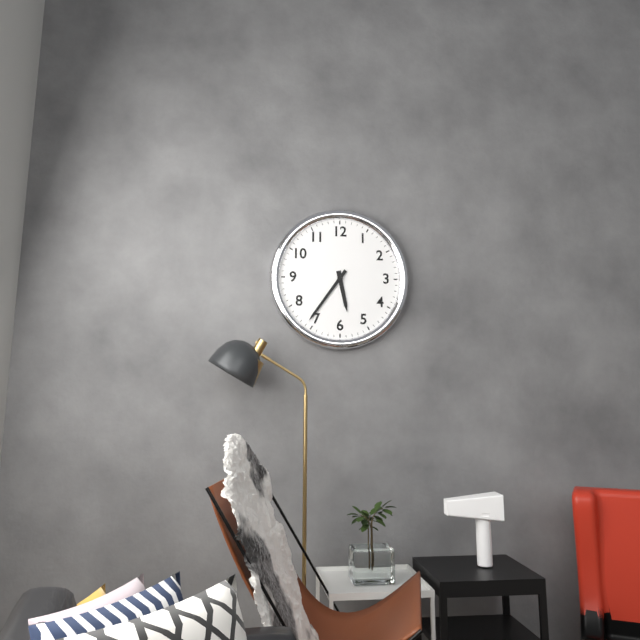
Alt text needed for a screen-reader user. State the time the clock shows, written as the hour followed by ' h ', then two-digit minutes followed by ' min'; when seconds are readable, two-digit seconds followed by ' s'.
5 h 36 min
